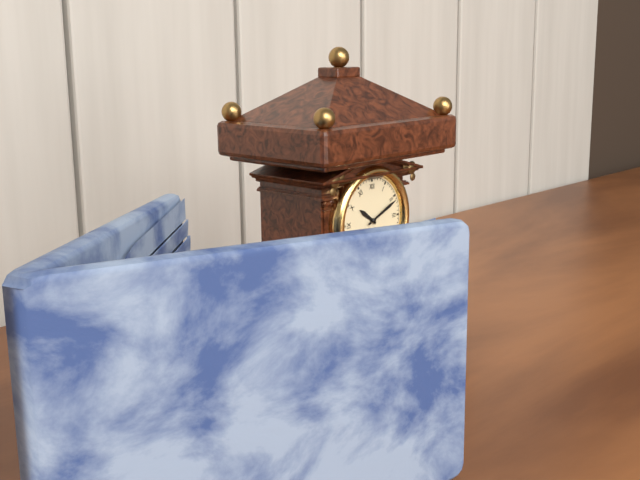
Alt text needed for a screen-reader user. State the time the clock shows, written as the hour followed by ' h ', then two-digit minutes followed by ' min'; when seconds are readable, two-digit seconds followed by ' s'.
10 h 11 min
